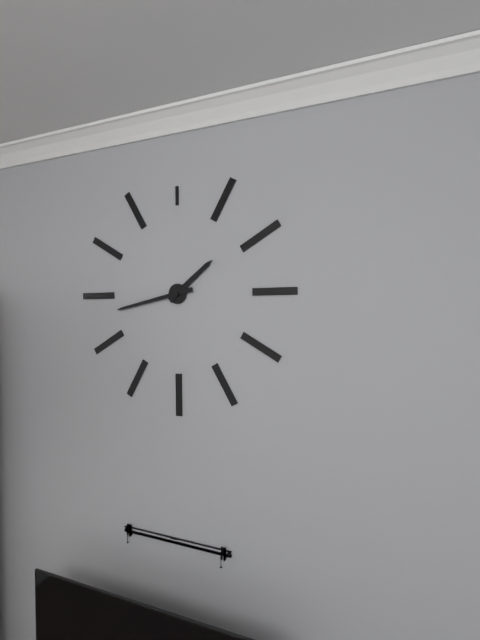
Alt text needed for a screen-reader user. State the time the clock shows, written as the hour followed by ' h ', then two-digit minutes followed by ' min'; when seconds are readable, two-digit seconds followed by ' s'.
1 h 43 min
